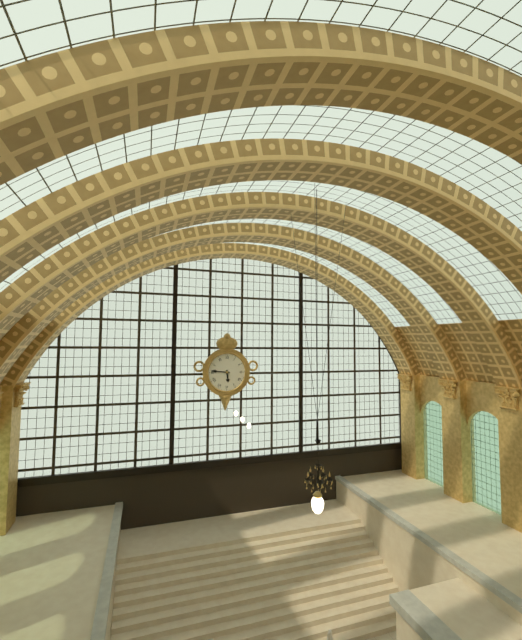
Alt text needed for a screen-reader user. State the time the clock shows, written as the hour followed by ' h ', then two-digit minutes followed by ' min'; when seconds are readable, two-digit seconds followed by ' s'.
5 h 46 min
